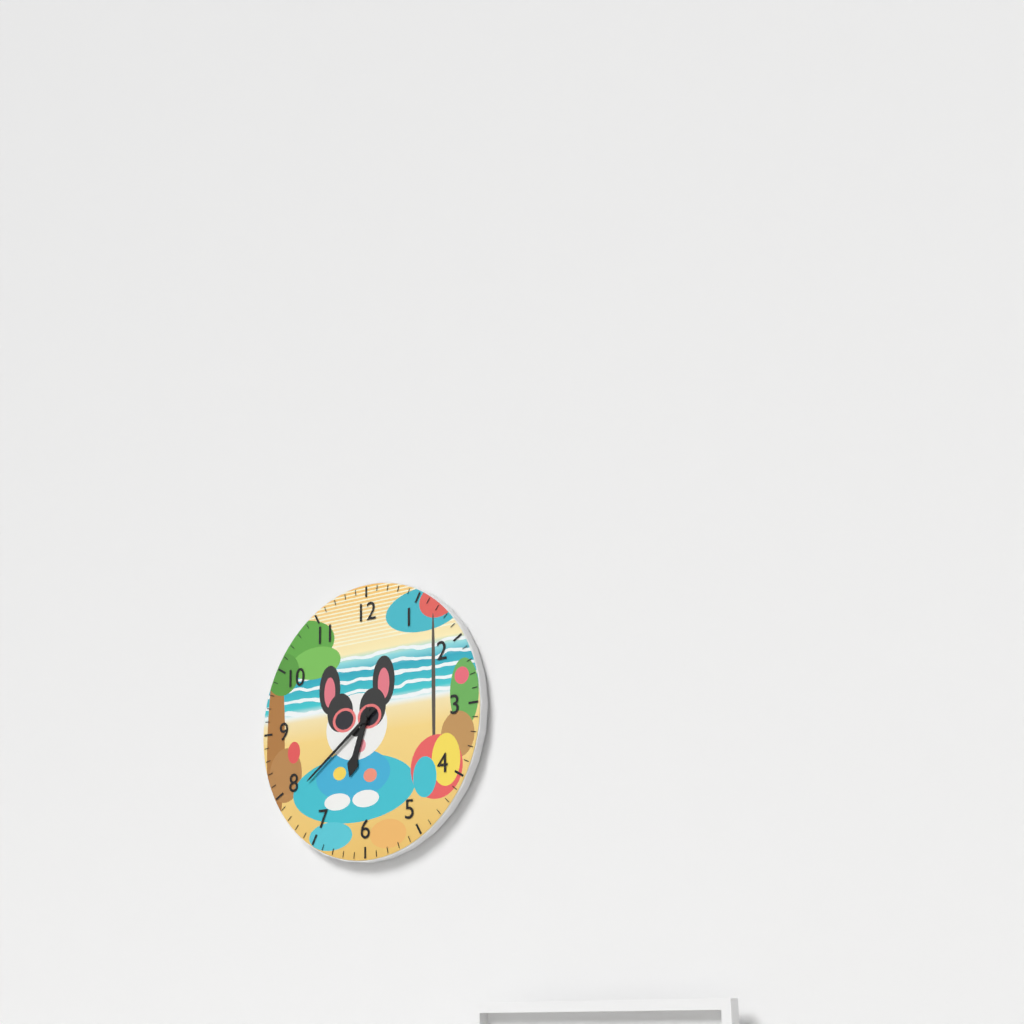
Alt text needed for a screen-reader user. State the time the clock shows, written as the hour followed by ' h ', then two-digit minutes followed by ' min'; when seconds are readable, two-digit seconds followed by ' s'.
6 h 39 min
